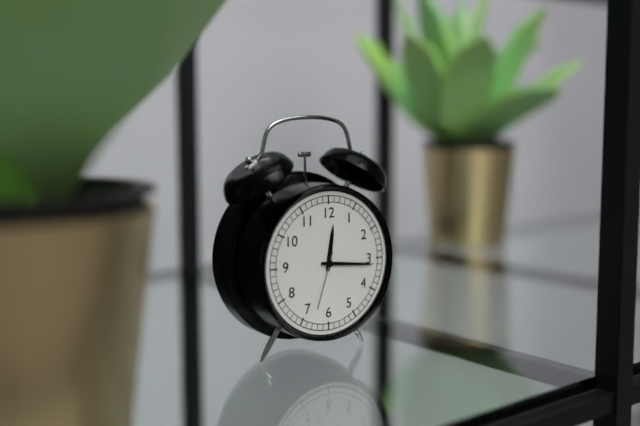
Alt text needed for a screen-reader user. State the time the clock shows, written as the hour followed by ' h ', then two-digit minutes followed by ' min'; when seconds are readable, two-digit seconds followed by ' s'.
12 h 16 min 33 s
